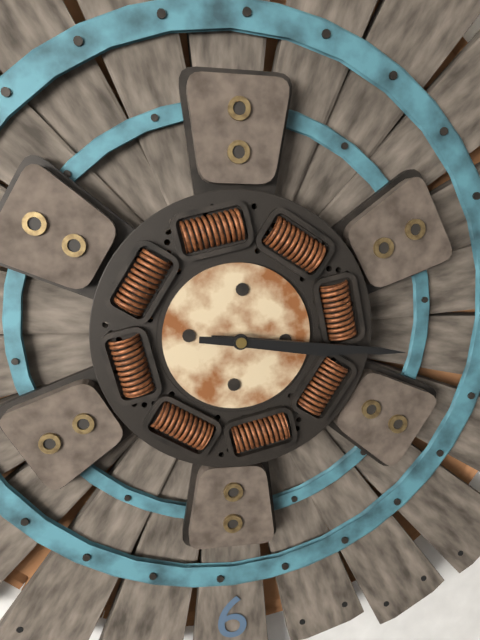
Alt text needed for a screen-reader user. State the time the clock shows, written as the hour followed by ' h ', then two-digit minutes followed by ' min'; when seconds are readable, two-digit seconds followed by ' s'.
3 h 16 min
